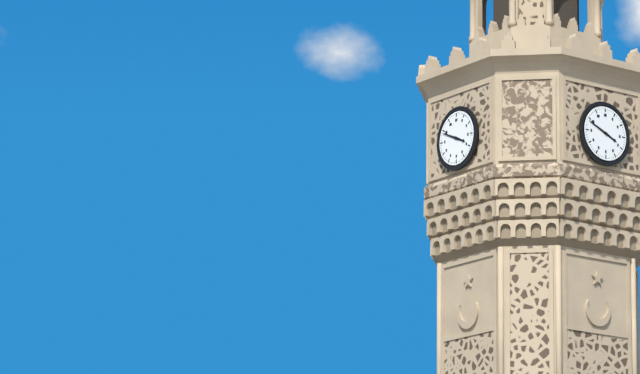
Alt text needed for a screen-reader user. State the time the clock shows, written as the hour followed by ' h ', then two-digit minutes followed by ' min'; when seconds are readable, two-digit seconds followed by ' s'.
3 h 49 min
